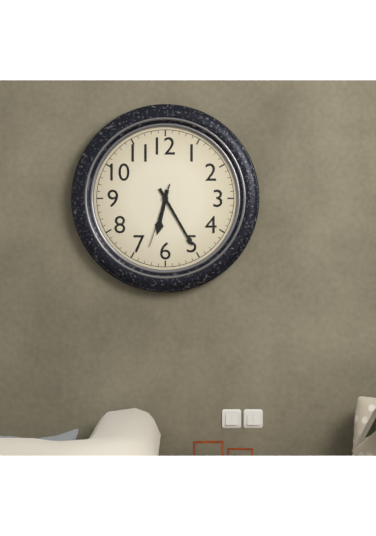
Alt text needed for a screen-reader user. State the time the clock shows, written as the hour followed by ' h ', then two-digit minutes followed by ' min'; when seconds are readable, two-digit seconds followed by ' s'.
6 h 25 min 33 s
